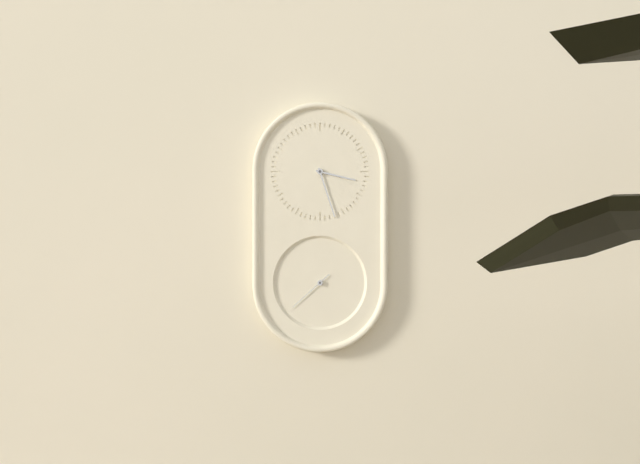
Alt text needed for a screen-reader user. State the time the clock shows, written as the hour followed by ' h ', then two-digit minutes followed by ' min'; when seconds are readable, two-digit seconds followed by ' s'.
3 h 27 min
